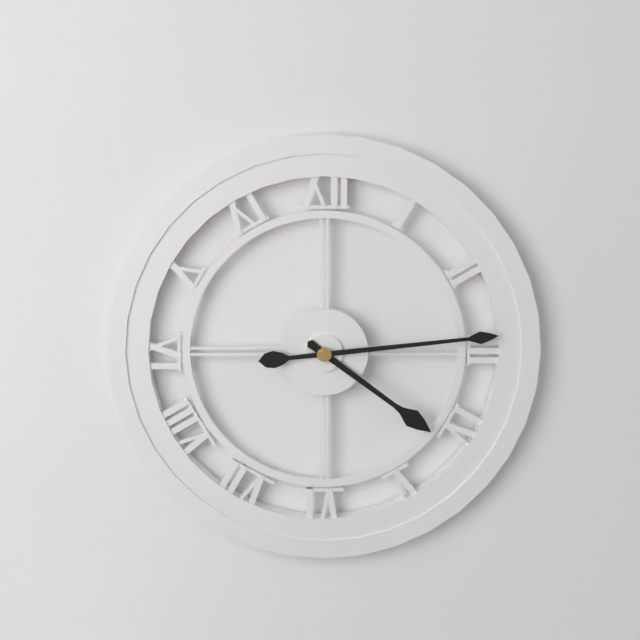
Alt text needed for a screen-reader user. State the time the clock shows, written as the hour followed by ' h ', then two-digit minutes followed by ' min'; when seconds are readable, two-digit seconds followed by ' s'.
4 h 14 min
